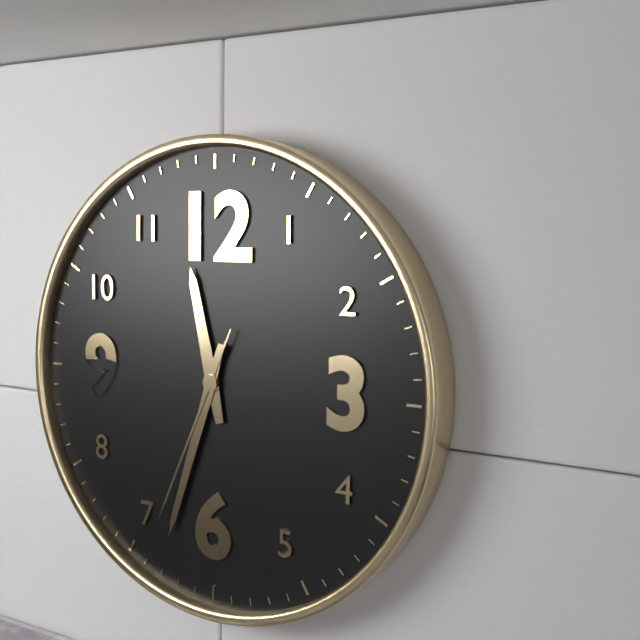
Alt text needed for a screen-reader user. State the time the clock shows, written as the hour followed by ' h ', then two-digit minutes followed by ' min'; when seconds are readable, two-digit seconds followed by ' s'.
11 h 33 min 34 s
